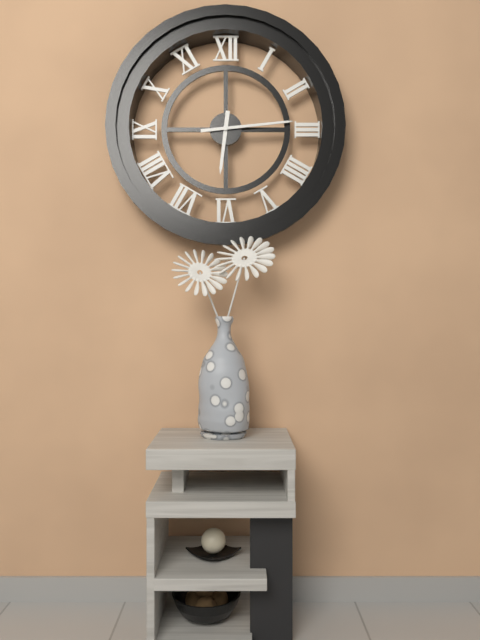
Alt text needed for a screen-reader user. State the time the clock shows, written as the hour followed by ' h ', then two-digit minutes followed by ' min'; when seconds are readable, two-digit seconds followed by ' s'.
6 h 14 min
